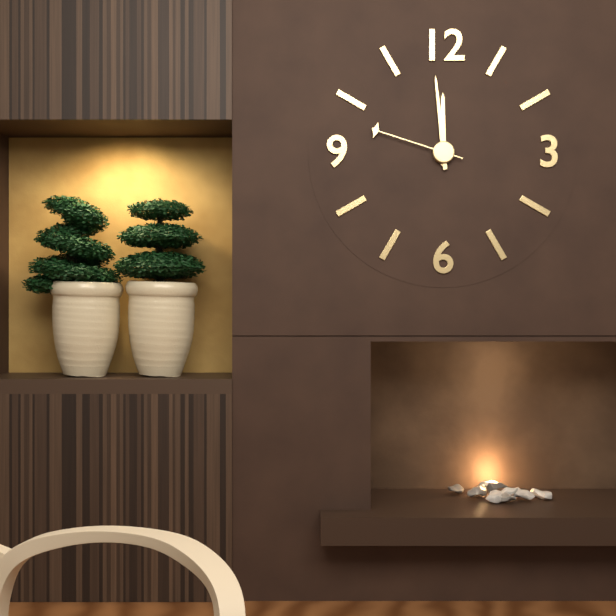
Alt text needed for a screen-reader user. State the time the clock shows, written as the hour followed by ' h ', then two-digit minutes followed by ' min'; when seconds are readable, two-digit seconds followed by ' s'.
11 h 59 min 48 s
